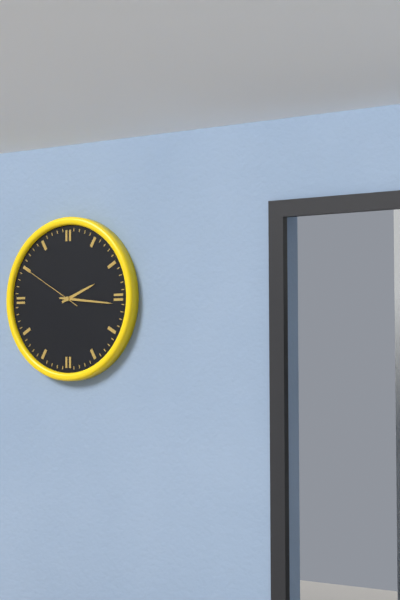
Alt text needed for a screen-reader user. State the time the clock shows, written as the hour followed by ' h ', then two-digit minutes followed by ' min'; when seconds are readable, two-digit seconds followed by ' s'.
2 h 16 min 50 s
